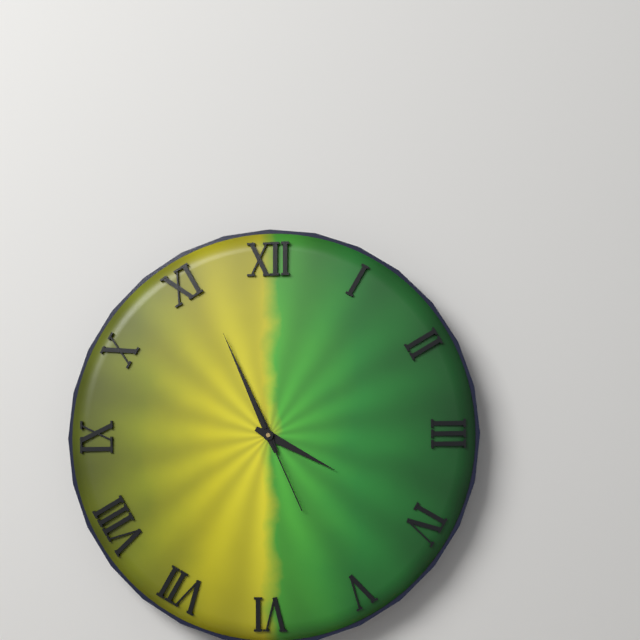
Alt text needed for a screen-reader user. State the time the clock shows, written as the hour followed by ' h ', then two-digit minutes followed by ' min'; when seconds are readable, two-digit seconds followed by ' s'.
3 h 56 min 26 s
